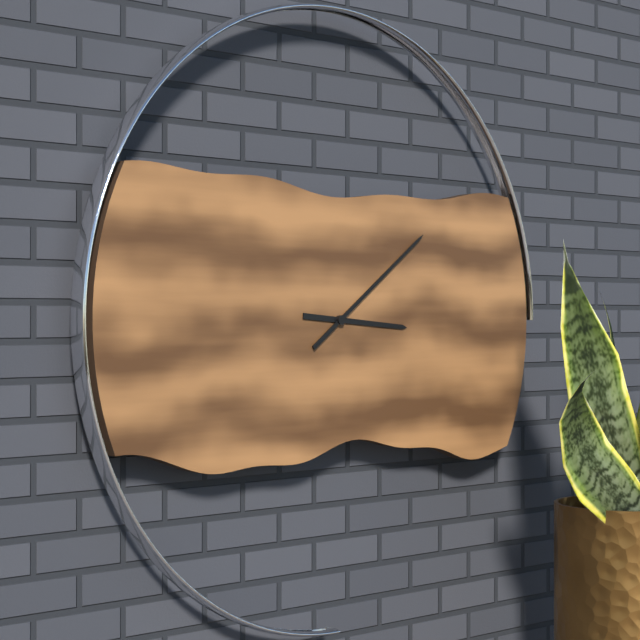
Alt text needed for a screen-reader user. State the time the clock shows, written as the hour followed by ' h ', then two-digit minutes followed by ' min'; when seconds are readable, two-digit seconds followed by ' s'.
3 h 09 min
